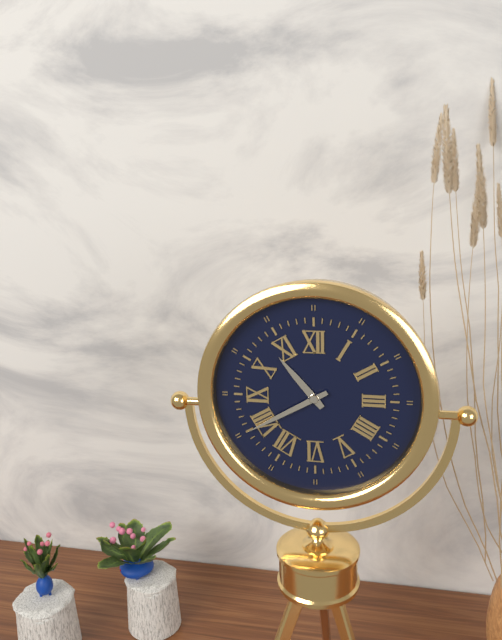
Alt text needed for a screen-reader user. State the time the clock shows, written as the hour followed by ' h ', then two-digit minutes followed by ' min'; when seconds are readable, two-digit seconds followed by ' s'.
10 h 40 min
